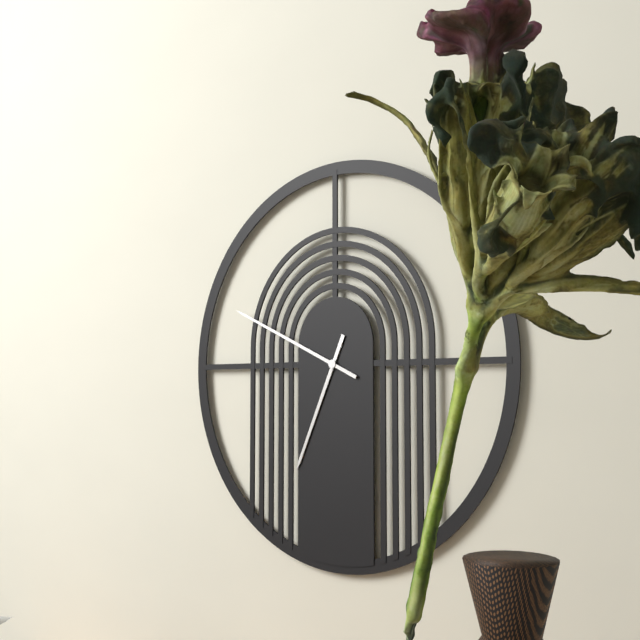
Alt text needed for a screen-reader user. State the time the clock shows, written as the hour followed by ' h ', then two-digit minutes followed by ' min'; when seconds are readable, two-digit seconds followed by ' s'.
6 h 49 min
